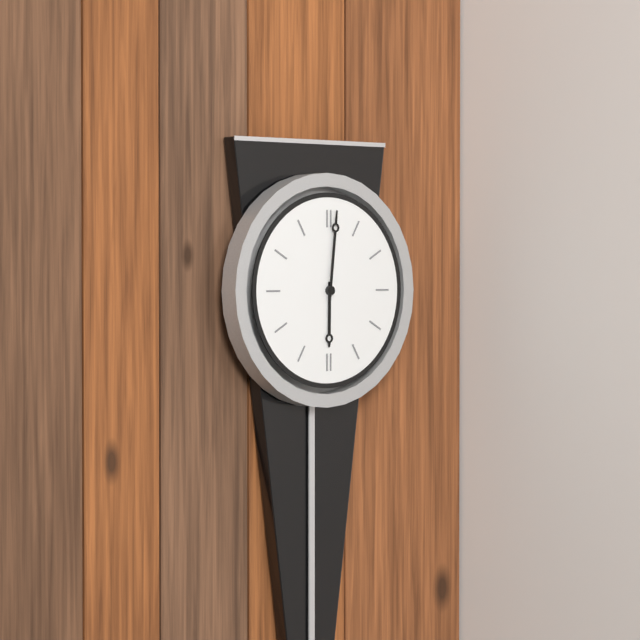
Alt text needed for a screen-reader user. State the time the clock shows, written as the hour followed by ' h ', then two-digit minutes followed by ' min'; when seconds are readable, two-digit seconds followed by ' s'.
6 h 01 min
